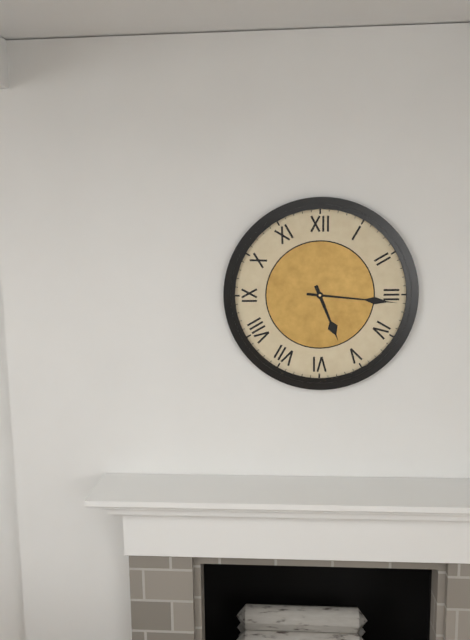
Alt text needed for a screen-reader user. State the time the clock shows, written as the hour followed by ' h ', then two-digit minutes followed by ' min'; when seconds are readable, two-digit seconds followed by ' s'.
5 h 16 min
